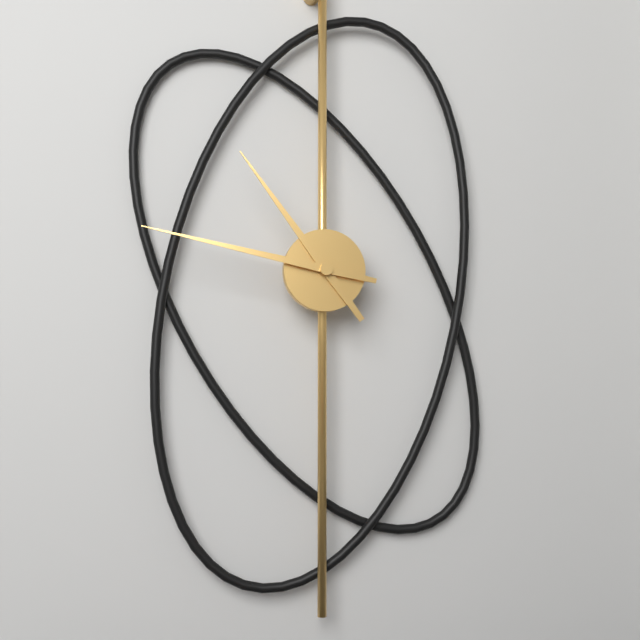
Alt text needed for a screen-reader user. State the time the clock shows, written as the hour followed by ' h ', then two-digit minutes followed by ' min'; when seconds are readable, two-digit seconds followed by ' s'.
10 h 47 min
